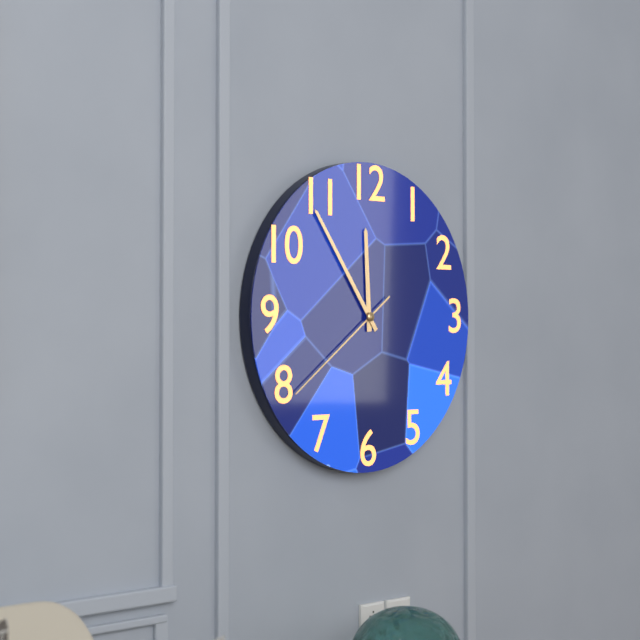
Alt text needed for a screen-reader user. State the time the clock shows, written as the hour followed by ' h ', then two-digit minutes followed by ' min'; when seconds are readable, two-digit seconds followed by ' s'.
11 h 54 min 39 s
